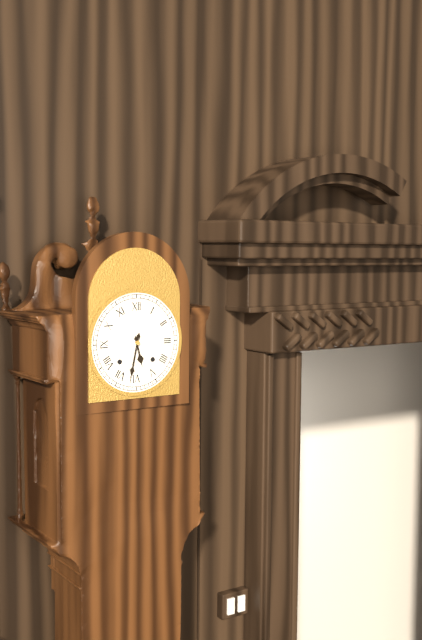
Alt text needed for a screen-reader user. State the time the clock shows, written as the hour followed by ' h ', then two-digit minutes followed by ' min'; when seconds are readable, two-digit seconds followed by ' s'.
5 h 32 min
